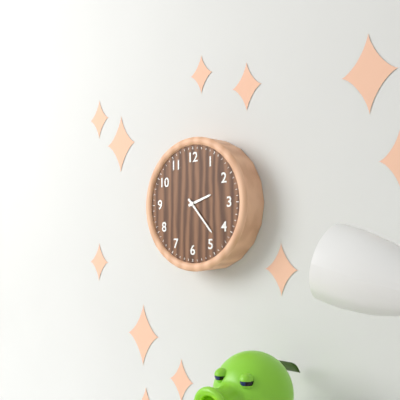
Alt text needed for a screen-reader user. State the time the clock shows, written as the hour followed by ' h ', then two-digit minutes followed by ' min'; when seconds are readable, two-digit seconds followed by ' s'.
2 h 23 min
